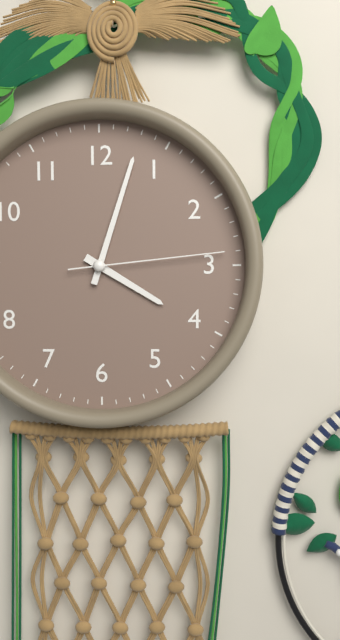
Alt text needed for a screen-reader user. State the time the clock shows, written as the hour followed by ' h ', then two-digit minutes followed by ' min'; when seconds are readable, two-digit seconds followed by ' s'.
4 h 03 min 14 s
